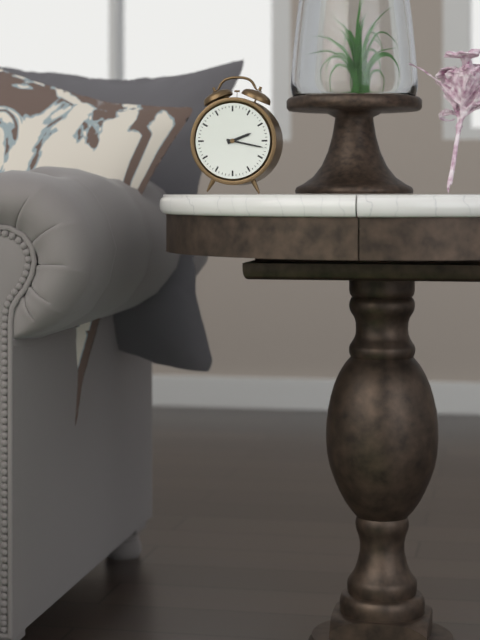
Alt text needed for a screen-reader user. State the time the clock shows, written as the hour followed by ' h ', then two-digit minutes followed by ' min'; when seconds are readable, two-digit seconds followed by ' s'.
2 h 17 min
